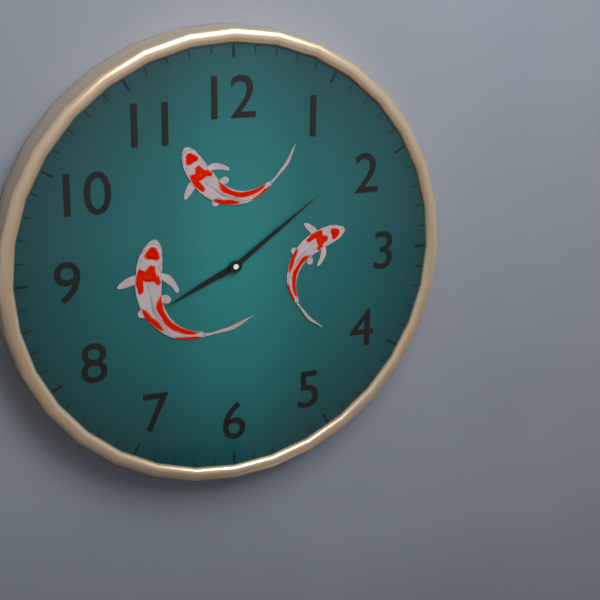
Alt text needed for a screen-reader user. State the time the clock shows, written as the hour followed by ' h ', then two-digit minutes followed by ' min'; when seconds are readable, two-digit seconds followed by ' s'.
8 h 09 min
